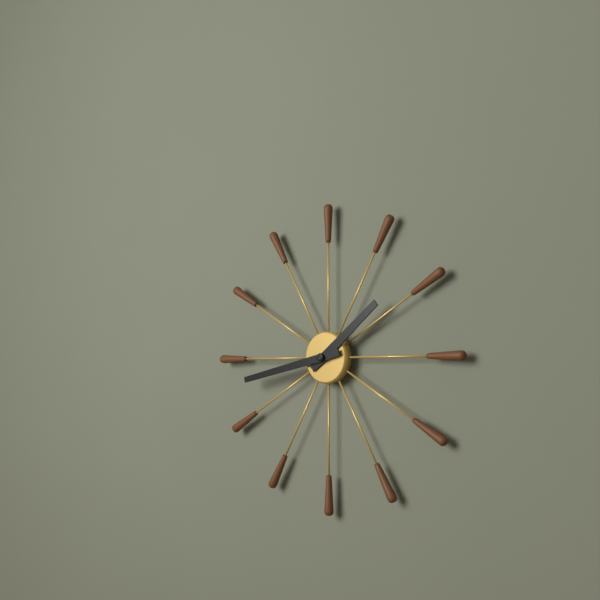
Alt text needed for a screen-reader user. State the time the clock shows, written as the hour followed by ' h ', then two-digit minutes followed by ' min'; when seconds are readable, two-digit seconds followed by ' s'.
1 h 43 min
